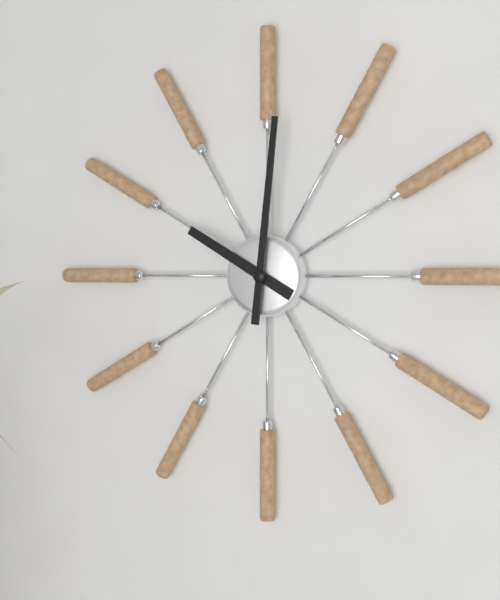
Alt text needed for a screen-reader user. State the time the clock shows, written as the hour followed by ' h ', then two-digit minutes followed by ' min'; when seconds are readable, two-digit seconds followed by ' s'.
10 h 01 min
